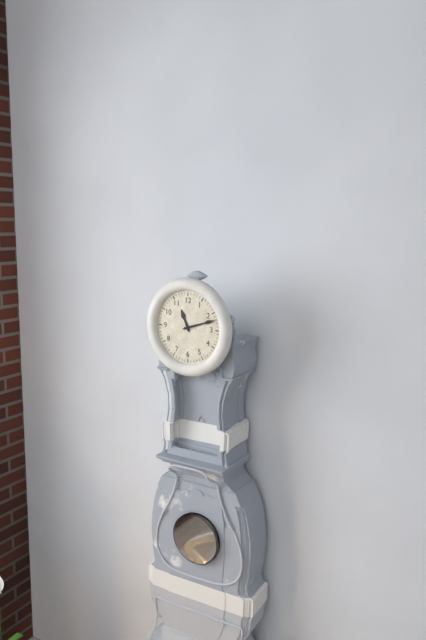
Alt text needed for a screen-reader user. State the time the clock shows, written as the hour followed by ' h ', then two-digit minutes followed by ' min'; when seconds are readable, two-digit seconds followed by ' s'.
11 h 12 min
